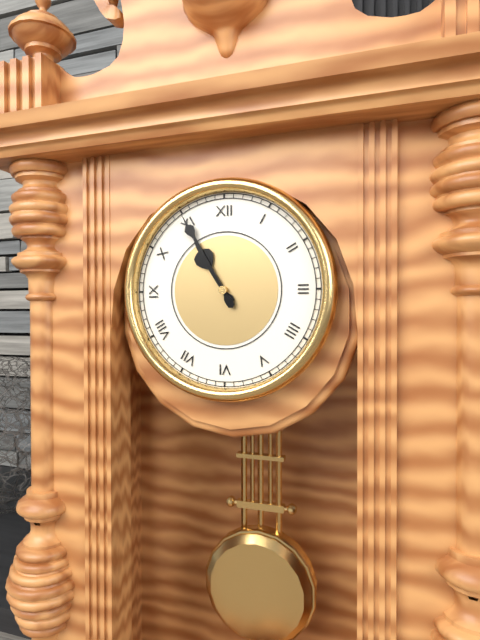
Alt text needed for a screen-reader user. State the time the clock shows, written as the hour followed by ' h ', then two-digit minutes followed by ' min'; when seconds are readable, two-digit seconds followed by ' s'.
10 h 55 min
